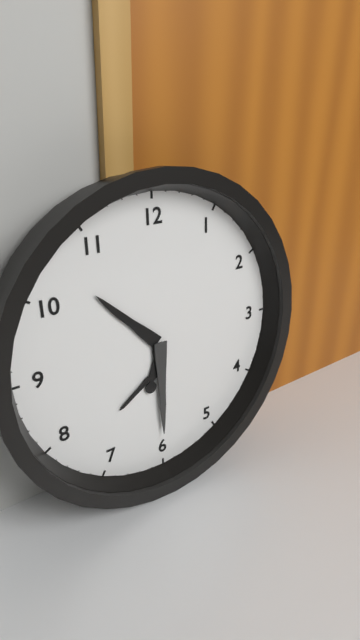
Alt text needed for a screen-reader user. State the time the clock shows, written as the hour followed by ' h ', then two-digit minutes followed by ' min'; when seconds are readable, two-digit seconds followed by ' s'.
10 h 30 min
